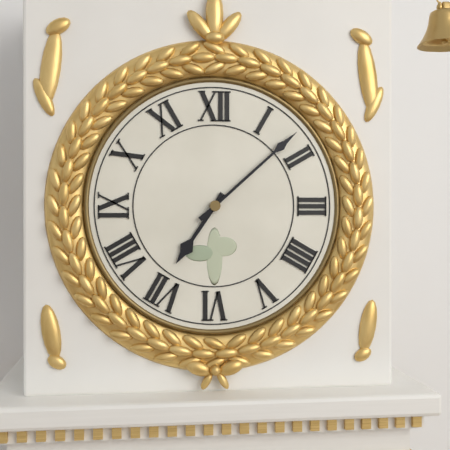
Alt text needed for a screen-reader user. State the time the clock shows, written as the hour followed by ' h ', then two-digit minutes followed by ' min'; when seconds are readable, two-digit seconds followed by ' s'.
7 h 08 min
